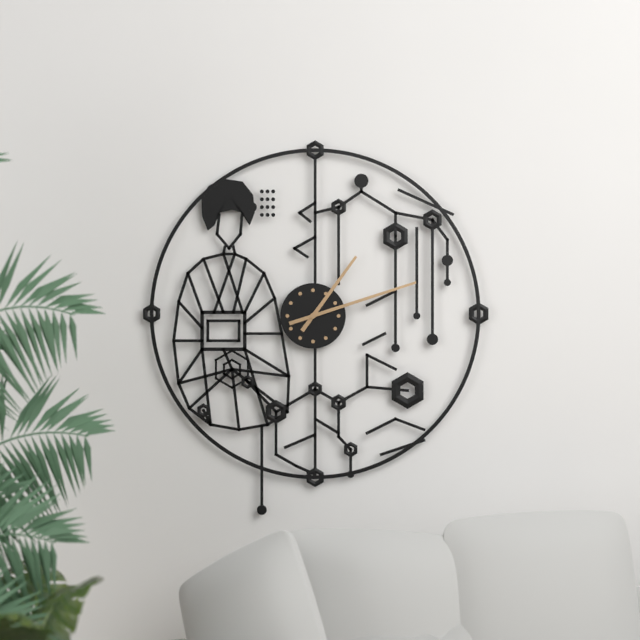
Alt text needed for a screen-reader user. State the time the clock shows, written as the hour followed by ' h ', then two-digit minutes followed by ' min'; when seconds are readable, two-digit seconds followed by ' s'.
1 h 12 min
